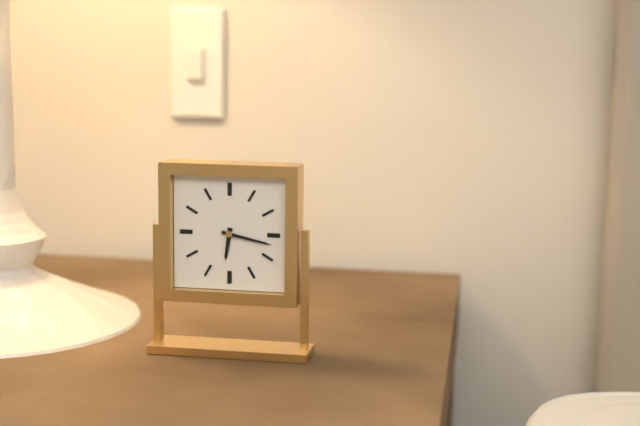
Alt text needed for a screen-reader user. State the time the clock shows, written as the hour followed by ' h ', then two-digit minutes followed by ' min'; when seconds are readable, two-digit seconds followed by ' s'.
6 h 17 min
